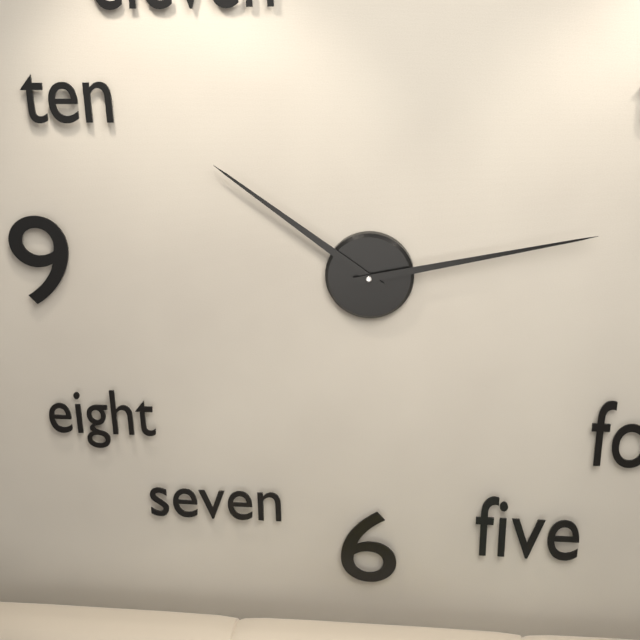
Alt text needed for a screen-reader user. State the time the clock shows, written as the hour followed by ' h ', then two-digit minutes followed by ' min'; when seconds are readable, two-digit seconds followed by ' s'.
10 h 13 min
